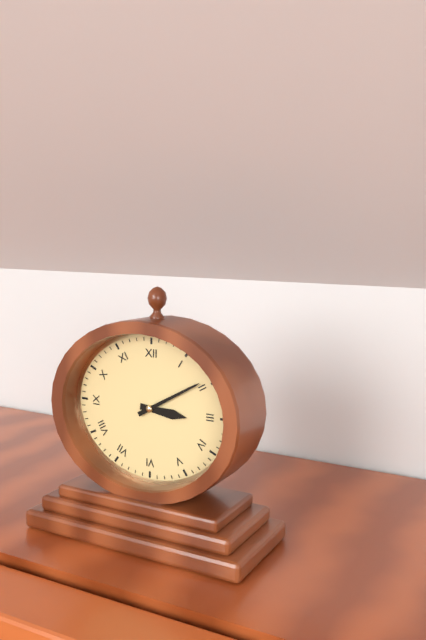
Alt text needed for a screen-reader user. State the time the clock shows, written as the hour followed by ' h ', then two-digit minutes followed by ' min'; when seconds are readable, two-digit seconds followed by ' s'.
3 h 10 min
